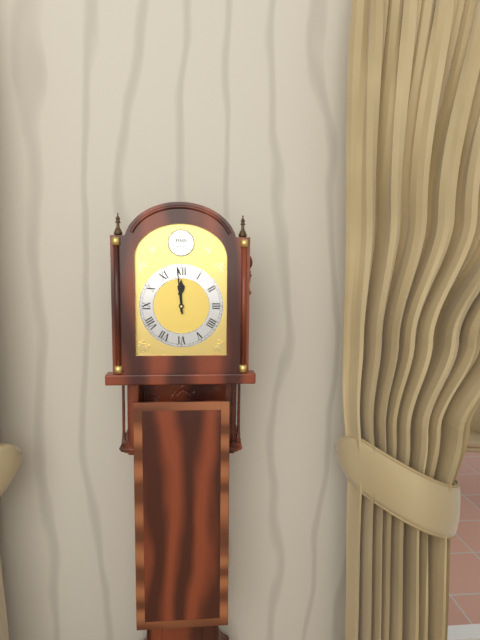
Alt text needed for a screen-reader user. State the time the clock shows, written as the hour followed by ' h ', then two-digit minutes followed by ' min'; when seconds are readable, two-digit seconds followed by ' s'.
11 h 59 min
